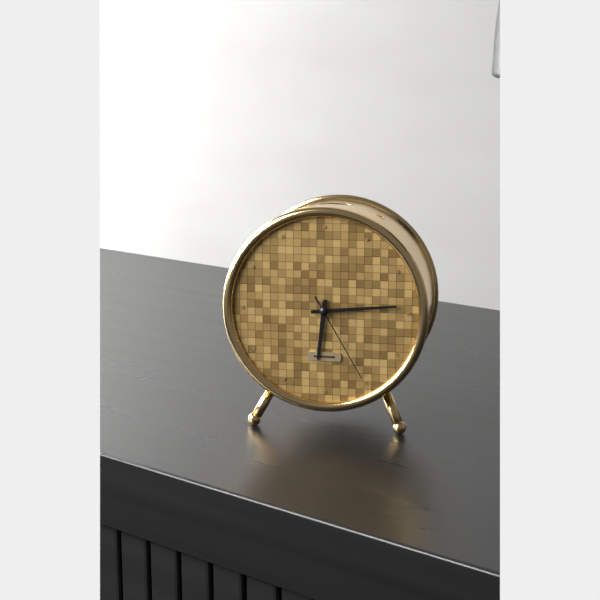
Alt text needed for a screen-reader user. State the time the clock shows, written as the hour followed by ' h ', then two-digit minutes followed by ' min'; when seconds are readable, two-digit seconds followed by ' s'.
6 h 14 min 25 s
